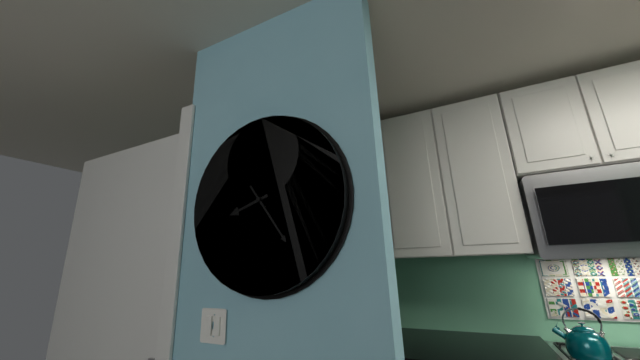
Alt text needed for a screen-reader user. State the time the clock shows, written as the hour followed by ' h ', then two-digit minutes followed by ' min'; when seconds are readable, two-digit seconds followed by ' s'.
8 h 24 min
